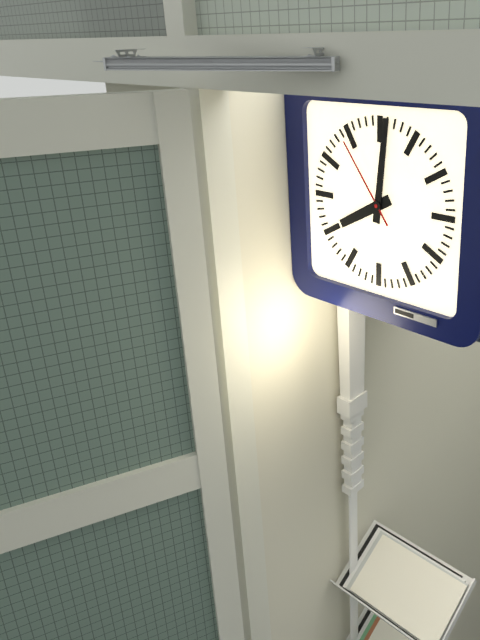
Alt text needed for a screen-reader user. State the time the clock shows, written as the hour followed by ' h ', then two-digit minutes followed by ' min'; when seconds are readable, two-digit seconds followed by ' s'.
8 h 01 min 54 s
